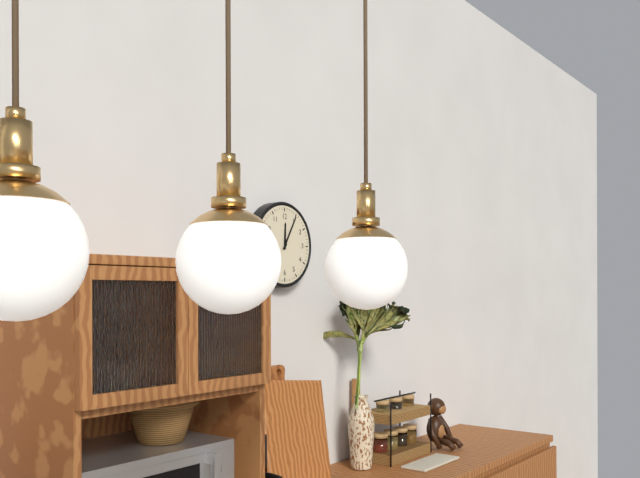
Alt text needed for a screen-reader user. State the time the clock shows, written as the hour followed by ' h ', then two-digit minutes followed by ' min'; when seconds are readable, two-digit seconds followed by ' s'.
12 h 05 min
